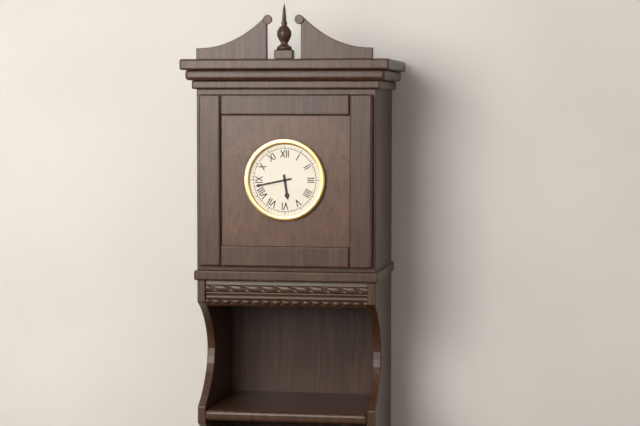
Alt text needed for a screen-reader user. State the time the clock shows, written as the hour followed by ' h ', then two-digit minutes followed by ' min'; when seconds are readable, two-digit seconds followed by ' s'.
5 h 43 min
